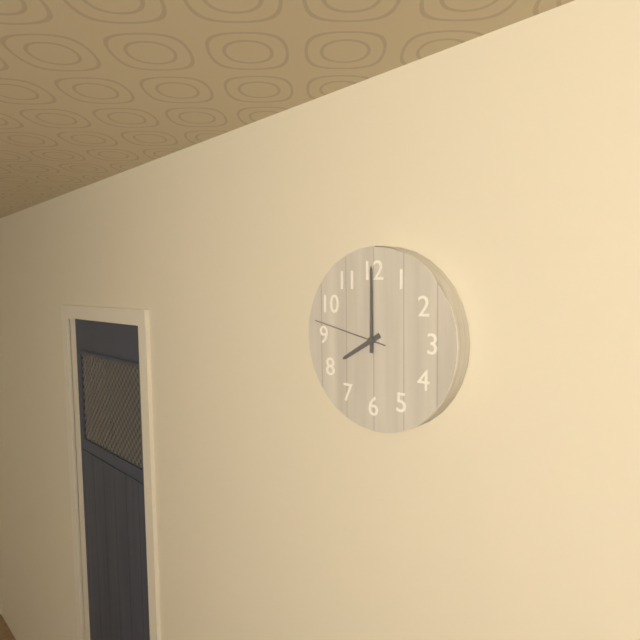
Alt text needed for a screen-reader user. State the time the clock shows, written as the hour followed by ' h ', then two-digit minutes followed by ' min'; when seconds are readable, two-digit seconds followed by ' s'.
8 h 00 min 47 s
